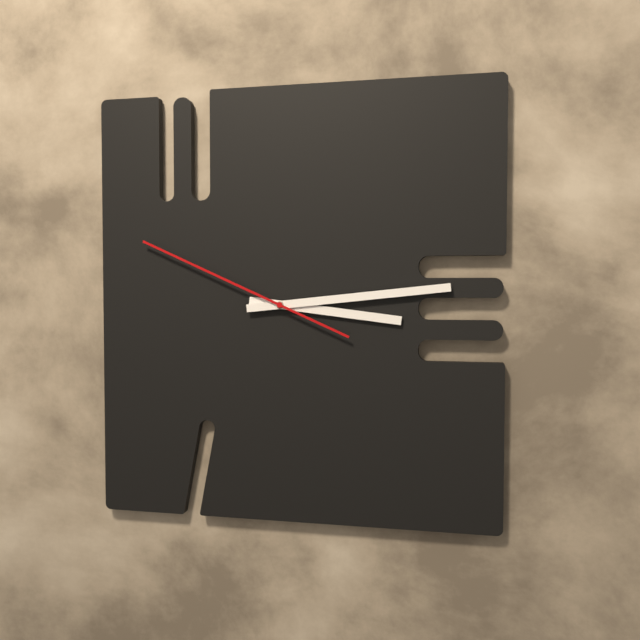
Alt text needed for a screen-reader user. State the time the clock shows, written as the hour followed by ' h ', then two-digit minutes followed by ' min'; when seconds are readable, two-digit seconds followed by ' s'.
3 h 14 min 49 s
